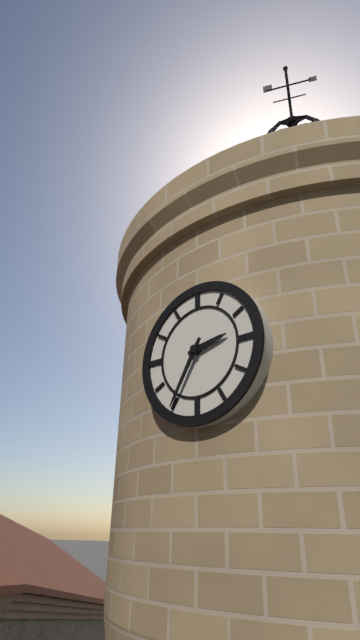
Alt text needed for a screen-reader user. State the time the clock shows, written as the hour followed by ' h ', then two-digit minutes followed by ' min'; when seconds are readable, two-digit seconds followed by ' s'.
2 h 35 min
